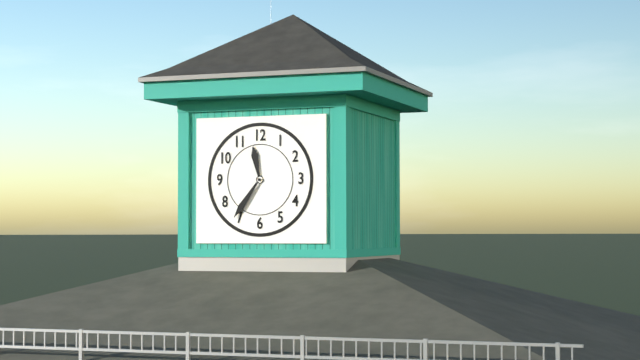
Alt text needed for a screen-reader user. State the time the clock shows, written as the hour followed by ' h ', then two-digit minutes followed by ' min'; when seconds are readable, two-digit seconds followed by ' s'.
11 h 36 min
